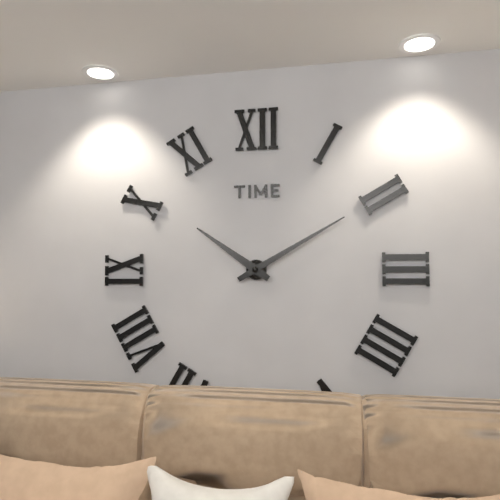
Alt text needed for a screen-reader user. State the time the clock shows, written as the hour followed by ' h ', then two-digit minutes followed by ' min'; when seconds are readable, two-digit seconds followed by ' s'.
10 h 10 min
